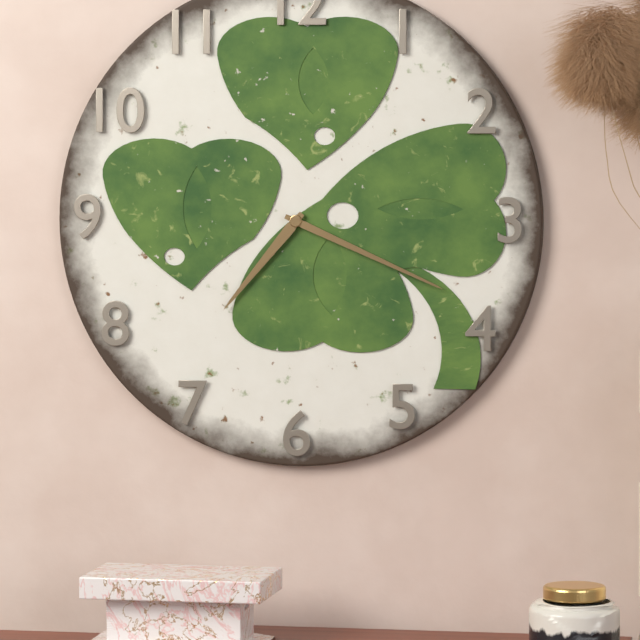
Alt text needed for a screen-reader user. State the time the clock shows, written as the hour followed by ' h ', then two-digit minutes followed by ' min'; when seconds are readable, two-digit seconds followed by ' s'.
7 h 19 min
